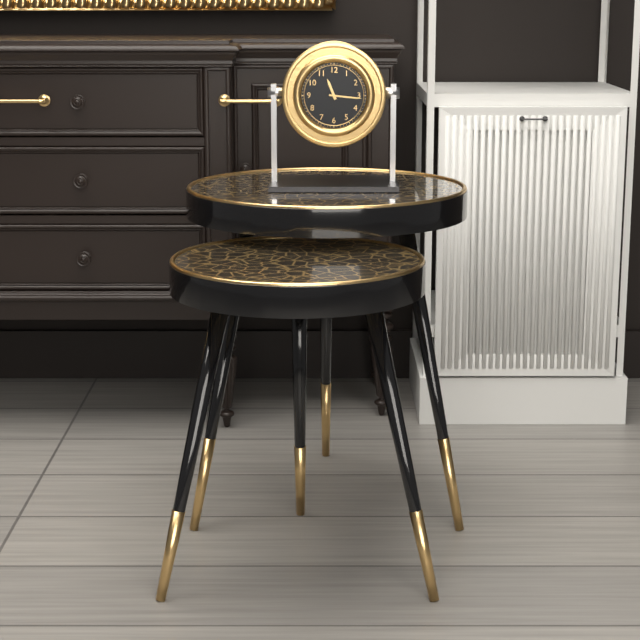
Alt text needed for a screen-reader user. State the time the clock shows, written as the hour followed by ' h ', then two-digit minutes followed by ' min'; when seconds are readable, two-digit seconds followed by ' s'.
11 h 16 min
